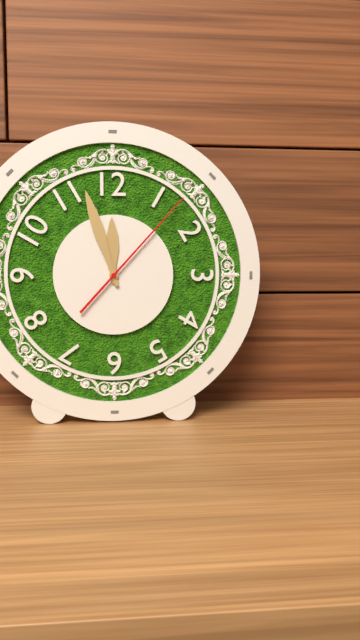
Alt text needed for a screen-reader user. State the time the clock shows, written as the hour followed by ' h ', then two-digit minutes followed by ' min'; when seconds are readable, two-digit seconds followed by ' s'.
11 h 57 min 07 s
